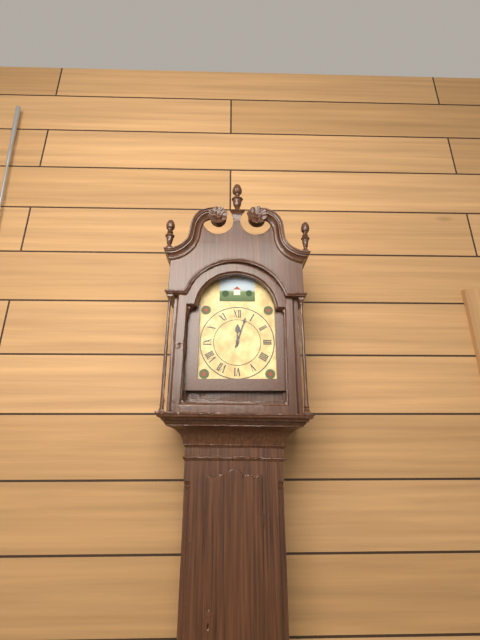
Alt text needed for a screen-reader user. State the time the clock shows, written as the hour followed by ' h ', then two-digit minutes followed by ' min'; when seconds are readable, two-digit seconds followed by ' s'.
12 h 03 min
